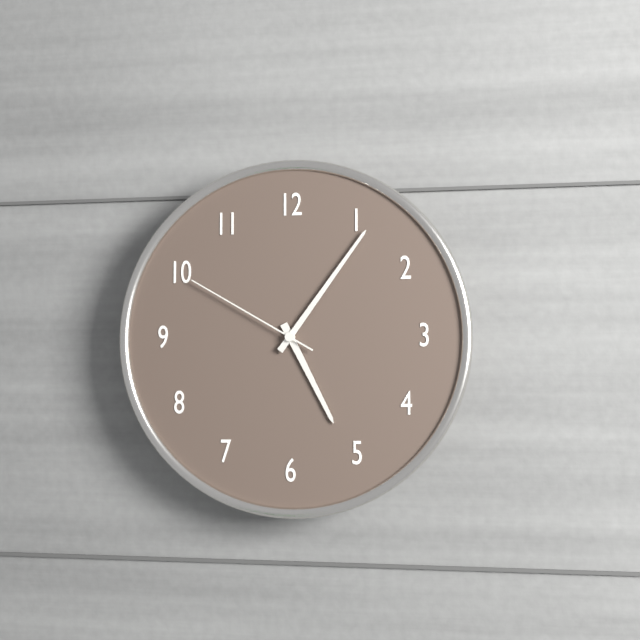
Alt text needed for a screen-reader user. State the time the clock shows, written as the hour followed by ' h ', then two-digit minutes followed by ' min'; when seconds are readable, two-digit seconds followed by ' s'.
5 h 06 min 50 s
